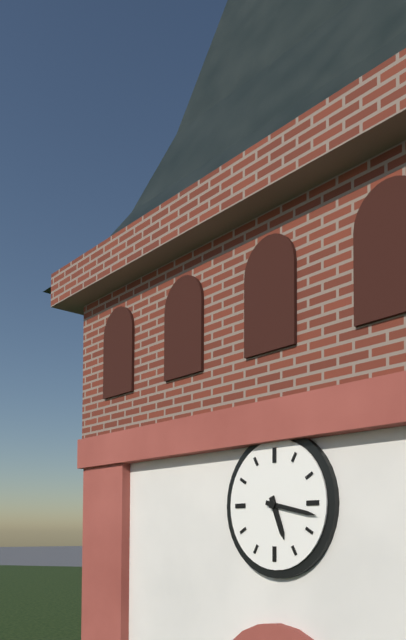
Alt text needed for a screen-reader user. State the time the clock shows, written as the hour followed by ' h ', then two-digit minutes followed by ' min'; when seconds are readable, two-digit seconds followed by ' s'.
5 h 17 min
